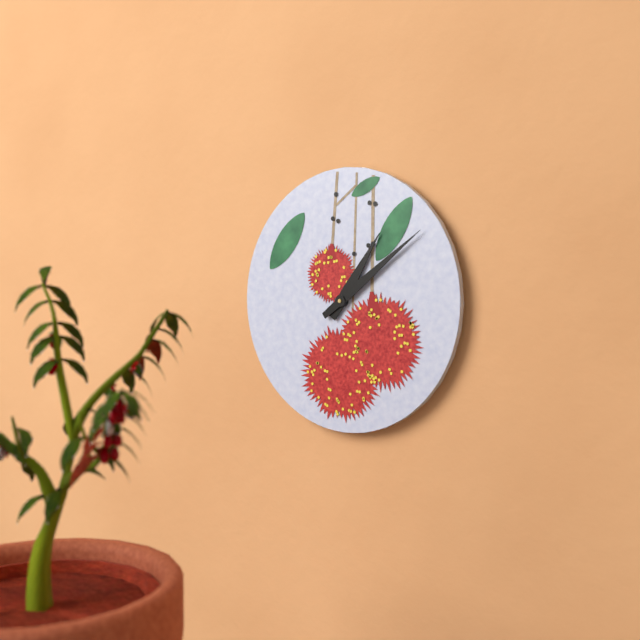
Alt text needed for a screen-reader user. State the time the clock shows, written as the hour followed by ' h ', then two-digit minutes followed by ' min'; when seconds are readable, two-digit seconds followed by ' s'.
1 h 09 min
